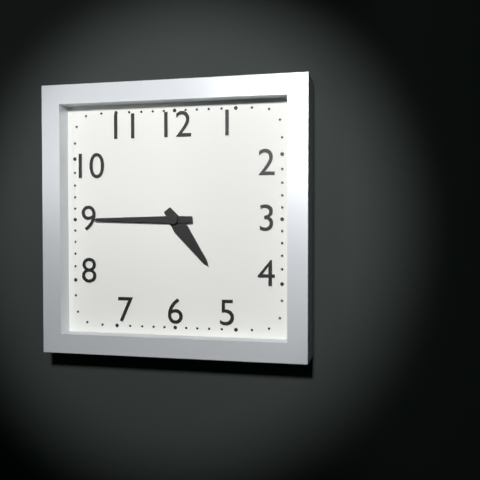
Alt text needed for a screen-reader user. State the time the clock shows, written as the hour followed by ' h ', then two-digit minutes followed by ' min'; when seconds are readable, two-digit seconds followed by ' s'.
4 h 45 min
